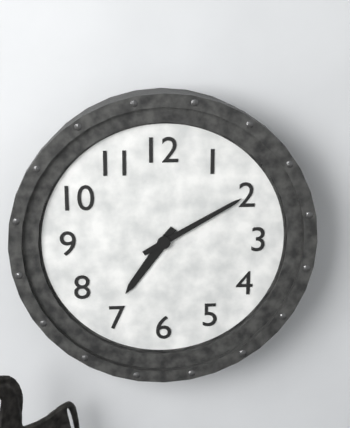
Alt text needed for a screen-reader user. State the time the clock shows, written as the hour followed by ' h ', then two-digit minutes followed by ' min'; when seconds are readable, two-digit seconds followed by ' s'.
7 h 10 min
